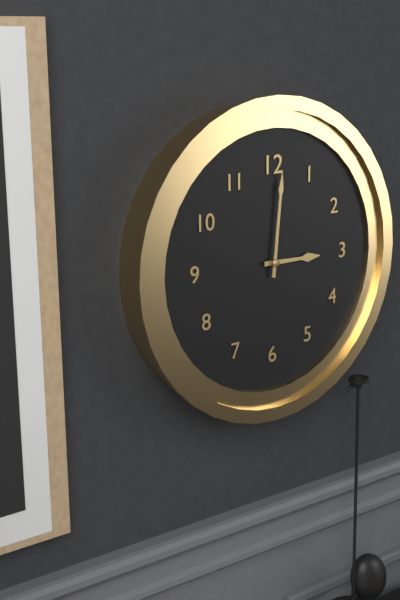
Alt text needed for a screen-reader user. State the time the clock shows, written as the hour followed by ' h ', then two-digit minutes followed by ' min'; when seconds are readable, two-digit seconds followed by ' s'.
3 h 01 min
